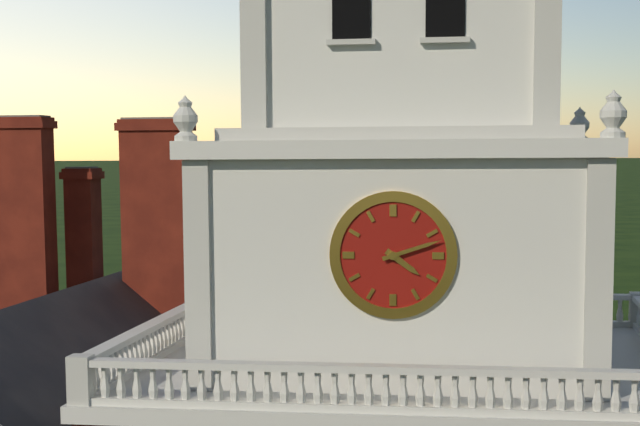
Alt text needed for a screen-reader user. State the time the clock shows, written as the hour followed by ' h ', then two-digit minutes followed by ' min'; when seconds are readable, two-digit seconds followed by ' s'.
4 h 12 min
